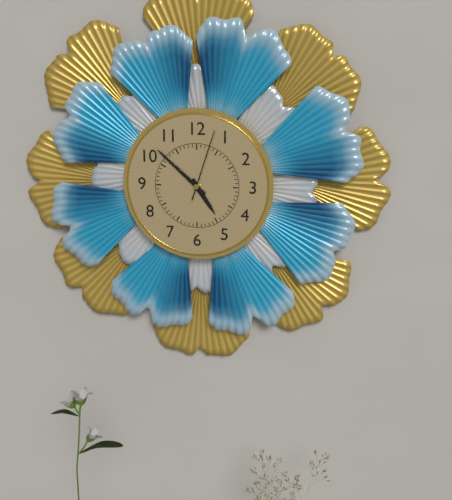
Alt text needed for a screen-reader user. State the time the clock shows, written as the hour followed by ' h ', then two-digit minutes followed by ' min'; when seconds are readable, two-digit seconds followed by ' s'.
4 h 52 min 03 s
